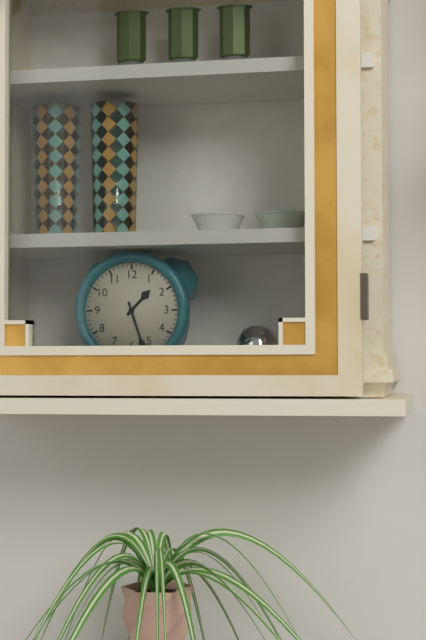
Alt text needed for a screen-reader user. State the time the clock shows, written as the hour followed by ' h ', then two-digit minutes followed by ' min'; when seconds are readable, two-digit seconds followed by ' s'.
1 h 27 min
